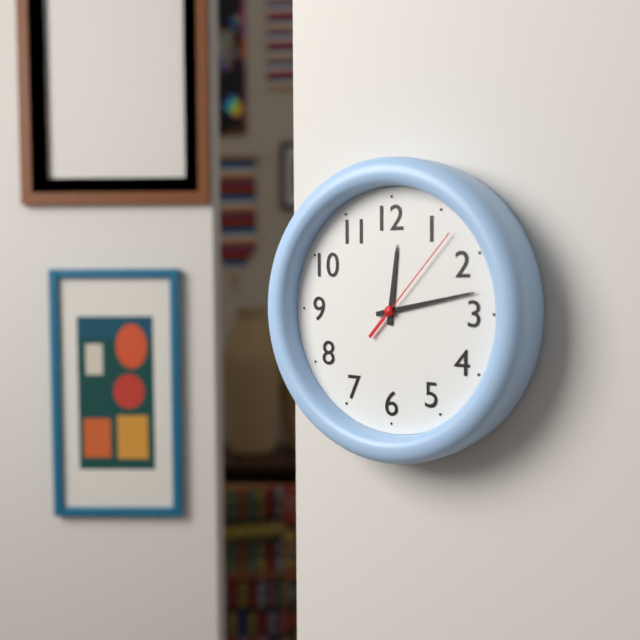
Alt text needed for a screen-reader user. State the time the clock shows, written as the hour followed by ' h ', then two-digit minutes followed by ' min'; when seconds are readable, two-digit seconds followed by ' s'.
12 h 13 min 07 s
